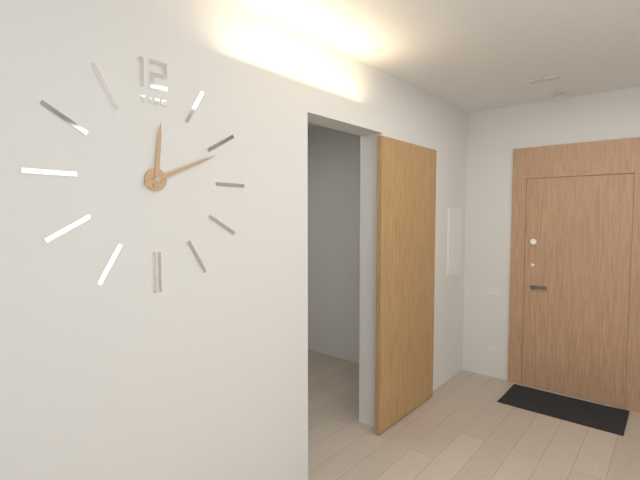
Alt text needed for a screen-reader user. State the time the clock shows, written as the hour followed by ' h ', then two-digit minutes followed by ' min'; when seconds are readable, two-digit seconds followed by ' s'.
12 h 11 min
